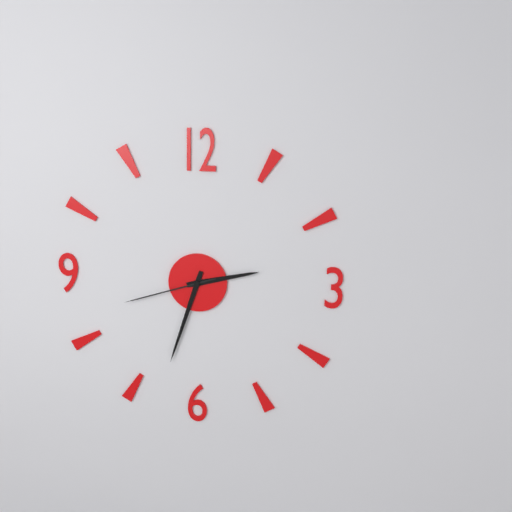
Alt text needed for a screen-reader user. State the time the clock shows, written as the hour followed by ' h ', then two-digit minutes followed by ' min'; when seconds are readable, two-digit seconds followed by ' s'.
2 h 33 min 42 s
